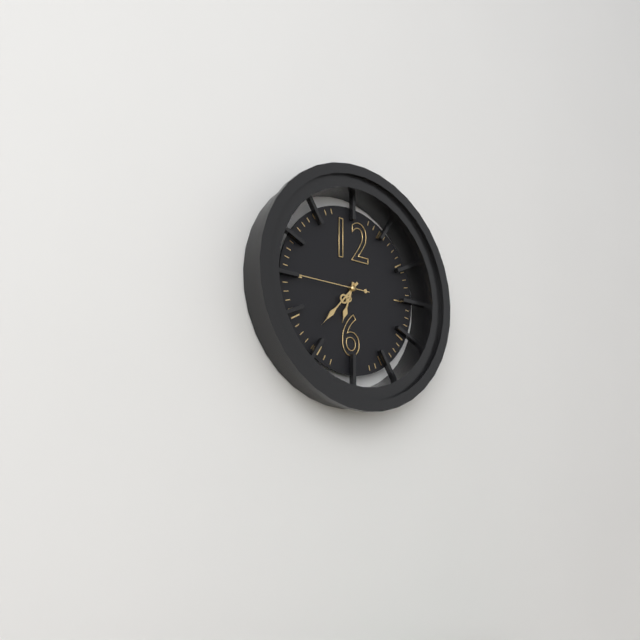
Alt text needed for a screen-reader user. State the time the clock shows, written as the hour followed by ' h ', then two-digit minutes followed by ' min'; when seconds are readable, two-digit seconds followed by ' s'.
6 h 37 min 45 s
